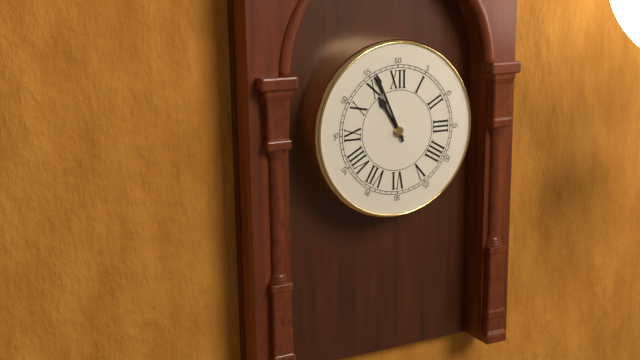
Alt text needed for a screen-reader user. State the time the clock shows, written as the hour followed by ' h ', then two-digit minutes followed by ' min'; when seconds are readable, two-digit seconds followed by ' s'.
10 h 56 min
